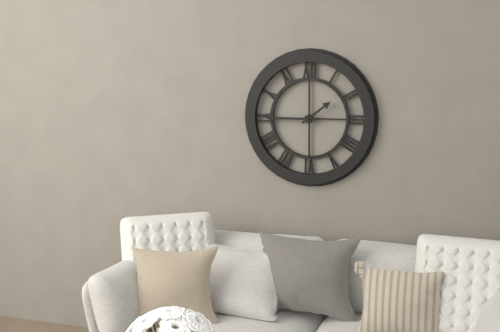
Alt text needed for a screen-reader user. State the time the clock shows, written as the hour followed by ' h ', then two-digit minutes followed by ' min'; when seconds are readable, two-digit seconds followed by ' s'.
1 h 45 min
